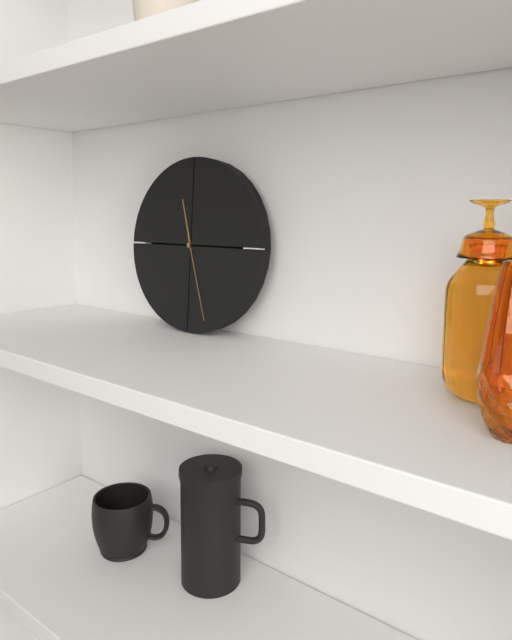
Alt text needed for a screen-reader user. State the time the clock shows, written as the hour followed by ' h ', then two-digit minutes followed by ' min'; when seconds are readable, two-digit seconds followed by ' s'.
11 h 27 min
